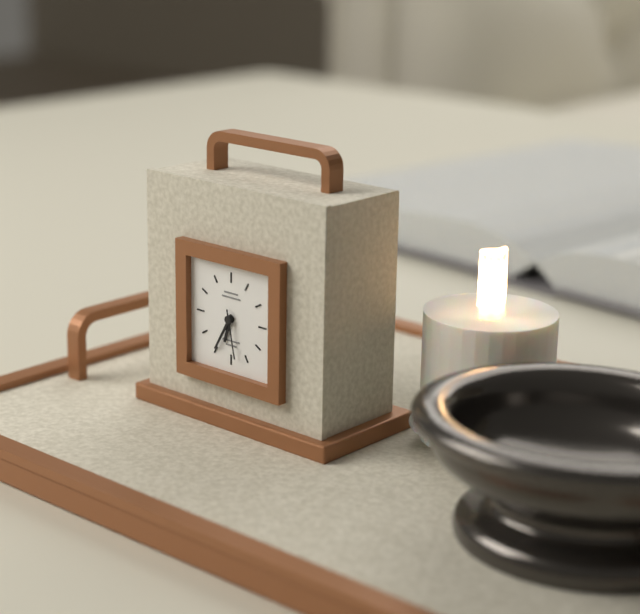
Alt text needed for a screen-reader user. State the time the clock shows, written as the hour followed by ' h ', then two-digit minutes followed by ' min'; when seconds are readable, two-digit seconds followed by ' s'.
6 h 35 min 28 s
